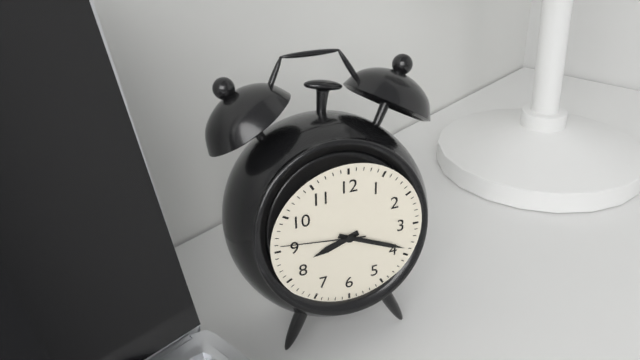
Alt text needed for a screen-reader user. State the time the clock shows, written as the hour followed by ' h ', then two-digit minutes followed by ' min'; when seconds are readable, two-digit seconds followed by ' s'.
8 h 19 min 46 s
